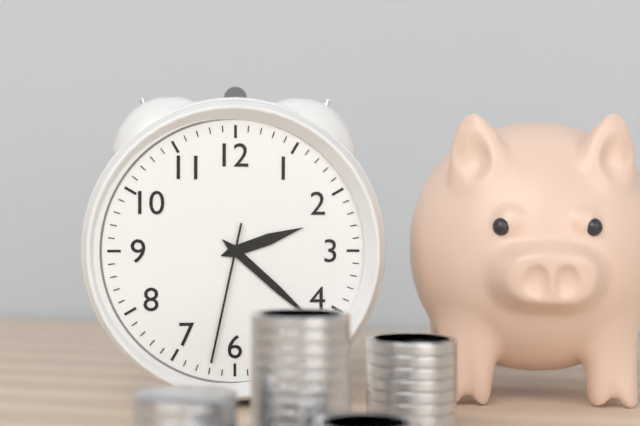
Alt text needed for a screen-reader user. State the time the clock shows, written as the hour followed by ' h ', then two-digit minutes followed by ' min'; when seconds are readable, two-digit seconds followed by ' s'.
2 h 22 min 32 s
